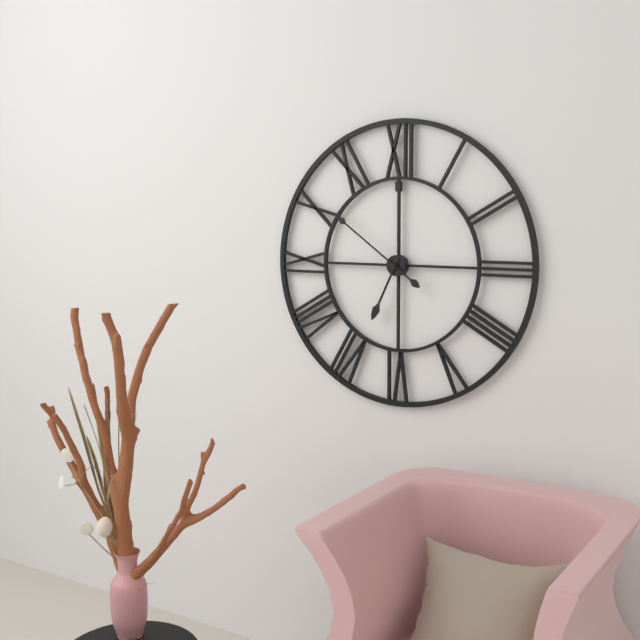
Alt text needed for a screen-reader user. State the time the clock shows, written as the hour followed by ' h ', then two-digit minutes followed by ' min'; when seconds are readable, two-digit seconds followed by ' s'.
6 h 51 min
